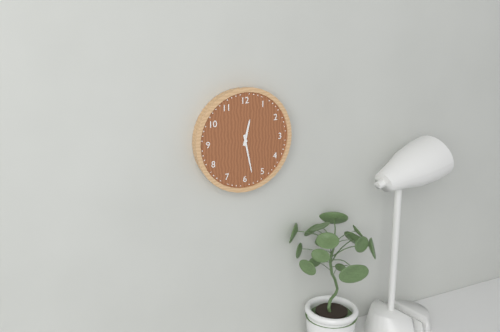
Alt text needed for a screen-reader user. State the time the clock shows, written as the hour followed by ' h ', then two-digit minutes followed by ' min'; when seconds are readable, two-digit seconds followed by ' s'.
12 h 28 min
